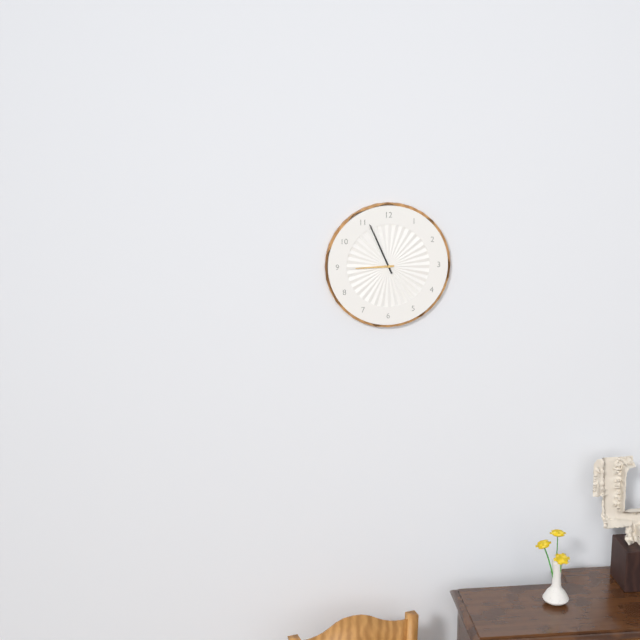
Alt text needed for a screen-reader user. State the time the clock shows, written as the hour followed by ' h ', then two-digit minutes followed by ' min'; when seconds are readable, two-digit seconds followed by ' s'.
8 h 56 min
